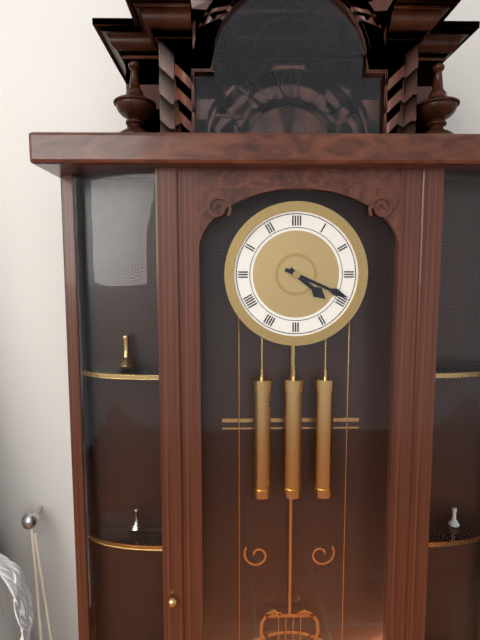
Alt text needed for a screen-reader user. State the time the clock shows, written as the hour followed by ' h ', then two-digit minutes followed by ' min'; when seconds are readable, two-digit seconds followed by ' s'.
4 h 19 min
